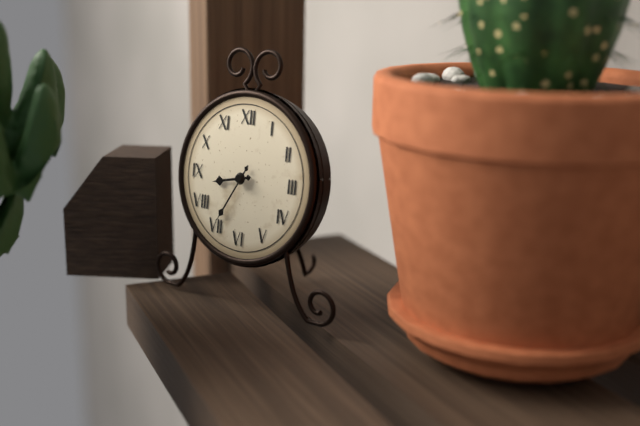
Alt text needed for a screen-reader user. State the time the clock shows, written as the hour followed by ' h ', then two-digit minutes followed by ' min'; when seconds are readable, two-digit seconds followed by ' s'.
8 h 35 min
